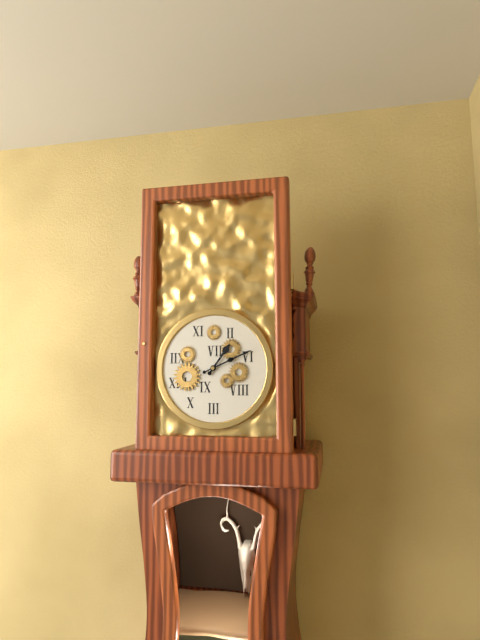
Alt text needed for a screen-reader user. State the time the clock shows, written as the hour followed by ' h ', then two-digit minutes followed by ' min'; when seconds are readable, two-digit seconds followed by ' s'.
1 h 11 min
